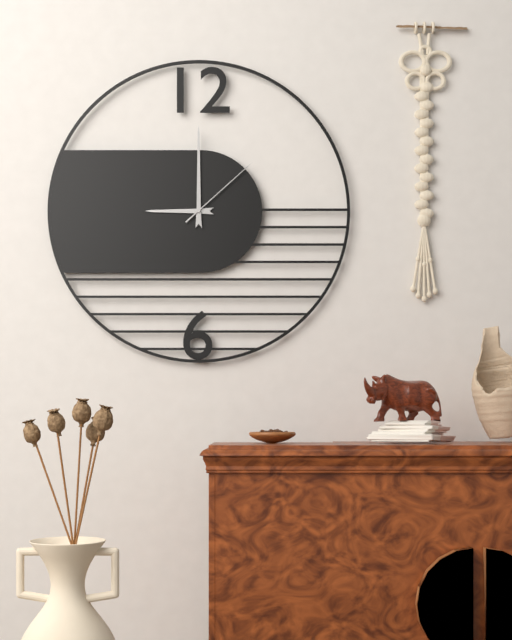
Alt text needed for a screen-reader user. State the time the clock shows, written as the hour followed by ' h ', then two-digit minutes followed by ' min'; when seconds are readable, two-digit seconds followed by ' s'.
9 h 00 min 08 s
